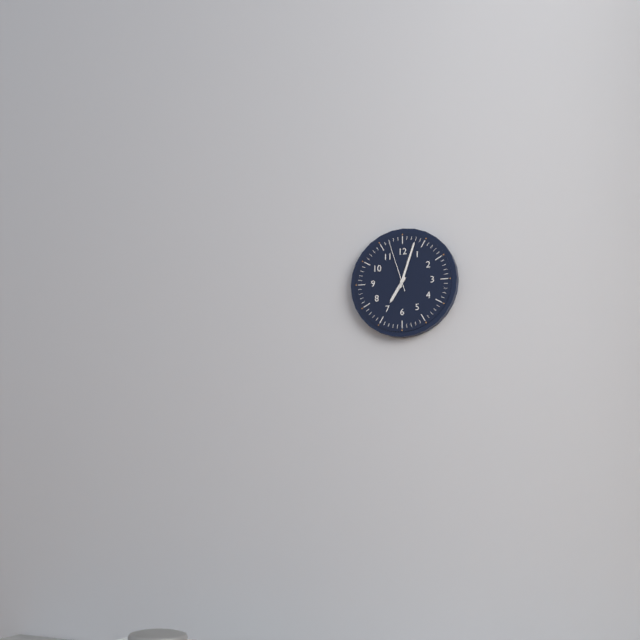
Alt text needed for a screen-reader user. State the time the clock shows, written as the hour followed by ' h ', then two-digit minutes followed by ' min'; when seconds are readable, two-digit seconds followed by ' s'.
7 h 03 min 57 s
